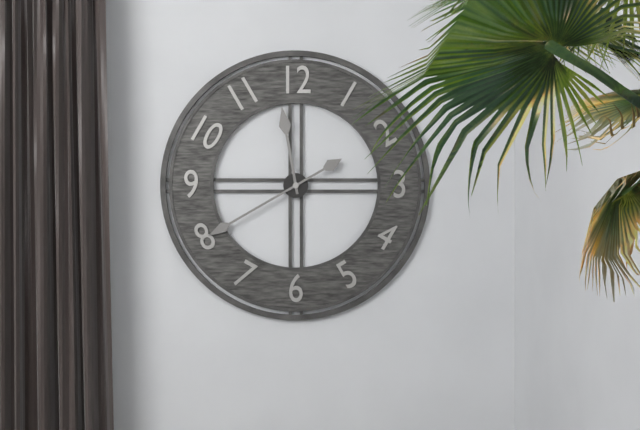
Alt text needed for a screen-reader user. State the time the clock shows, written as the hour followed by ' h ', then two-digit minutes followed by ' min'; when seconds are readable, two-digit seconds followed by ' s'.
11 h 40 min
